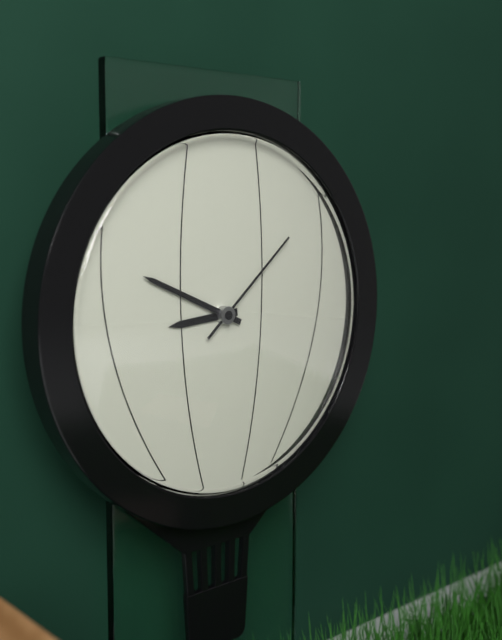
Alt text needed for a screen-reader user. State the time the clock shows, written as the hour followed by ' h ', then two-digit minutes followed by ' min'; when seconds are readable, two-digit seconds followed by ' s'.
8 h 49 min 08 s
